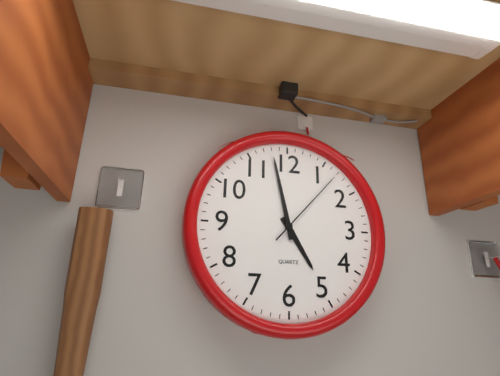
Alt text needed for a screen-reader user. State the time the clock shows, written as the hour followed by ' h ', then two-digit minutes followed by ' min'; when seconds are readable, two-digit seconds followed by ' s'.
4 h 58 min 07 s
